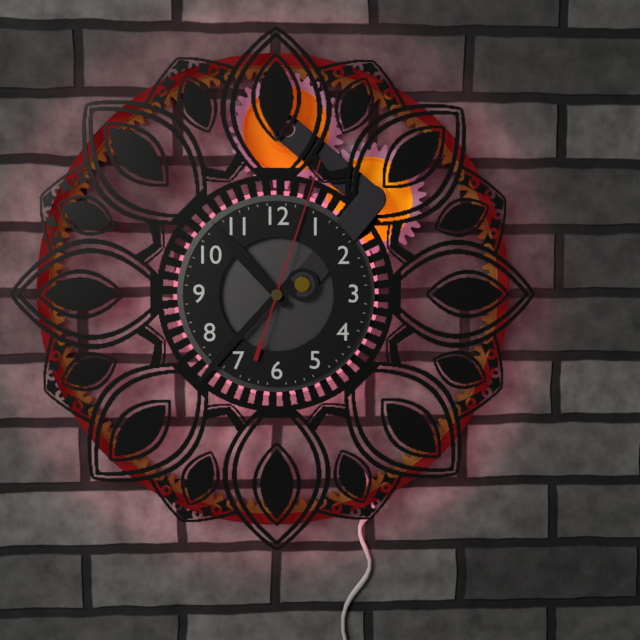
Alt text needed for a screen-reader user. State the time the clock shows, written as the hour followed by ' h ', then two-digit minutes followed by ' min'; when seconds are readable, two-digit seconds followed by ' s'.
10 h 37 min 03 s
